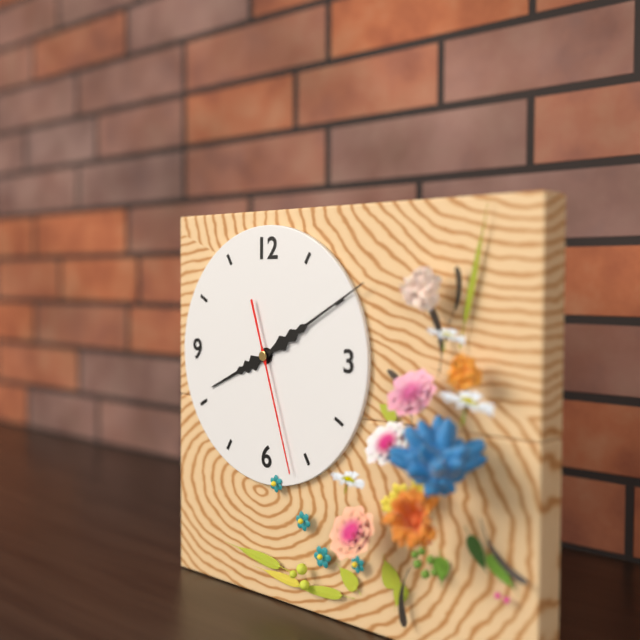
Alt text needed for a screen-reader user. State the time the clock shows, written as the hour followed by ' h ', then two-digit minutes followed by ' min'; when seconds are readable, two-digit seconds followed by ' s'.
8 h 10 min 27 s
